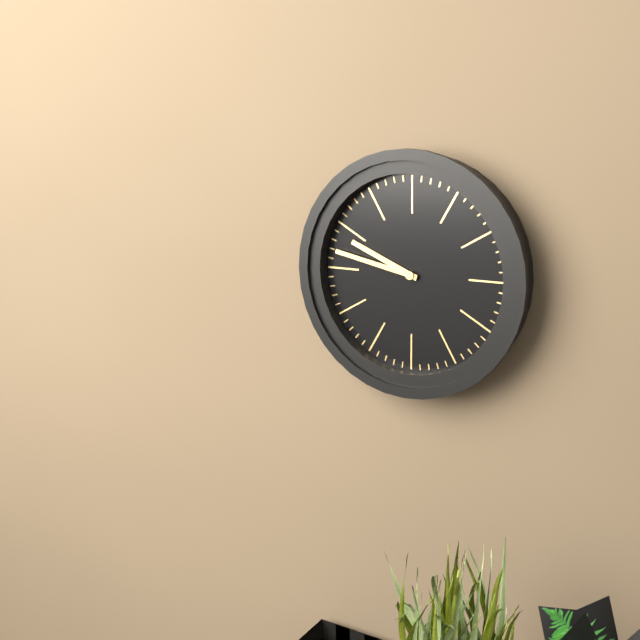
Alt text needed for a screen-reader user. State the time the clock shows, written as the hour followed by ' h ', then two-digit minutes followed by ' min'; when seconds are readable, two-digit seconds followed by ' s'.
9 h 47 min
